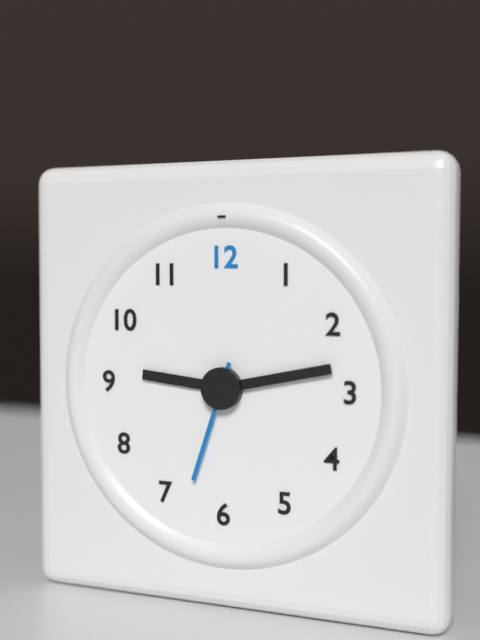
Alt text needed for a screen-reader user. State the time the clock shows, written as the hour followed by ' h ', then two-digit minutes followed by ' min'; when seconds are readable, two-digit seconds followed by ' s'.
9 h 13 min 33 s
